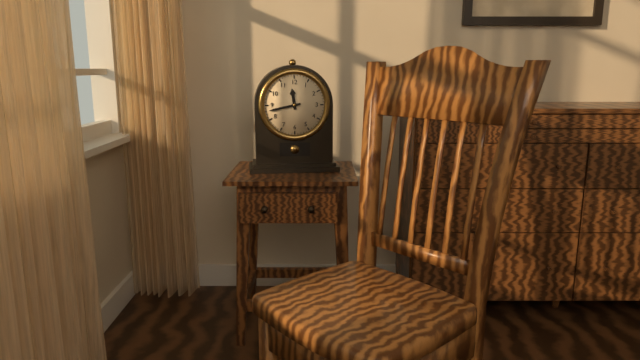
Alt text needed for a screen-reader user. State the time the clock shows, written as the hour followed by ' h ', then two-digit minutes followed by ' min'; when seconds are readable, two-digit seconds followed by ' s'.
11 h 43 min
